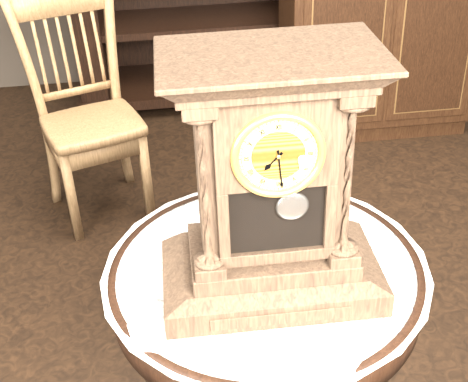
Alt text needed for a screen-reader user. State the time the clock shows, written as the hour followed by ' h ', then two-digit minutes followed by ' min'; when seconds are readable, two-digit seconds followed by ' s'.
7 h 29 min
